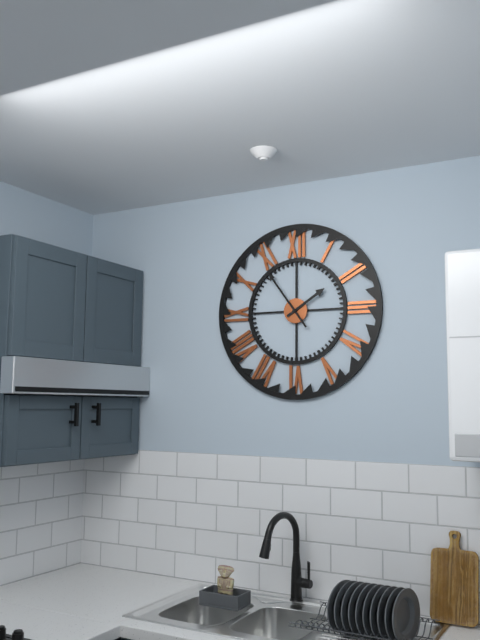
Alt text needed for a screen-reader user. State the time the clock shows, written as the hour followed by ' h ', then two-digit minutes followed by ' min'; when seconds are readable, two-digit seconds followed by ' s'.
1 h 54 min
